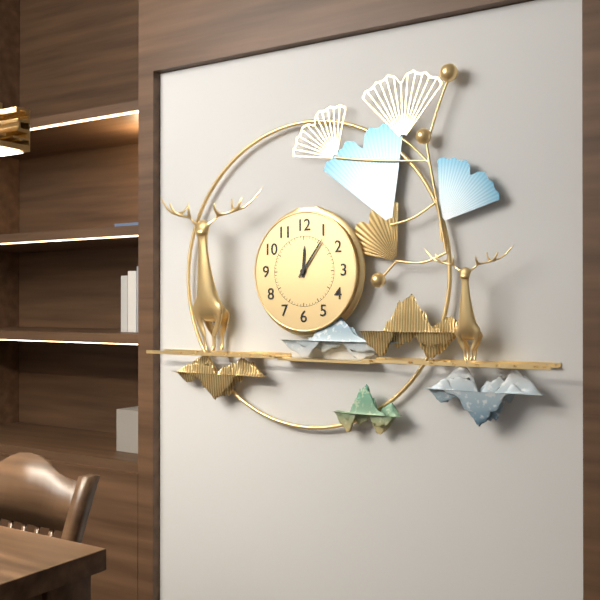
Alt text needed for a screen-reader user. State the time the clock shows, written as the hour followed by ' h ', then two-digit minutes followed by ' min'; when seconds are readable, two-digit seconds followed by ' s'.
12 h 06 min
